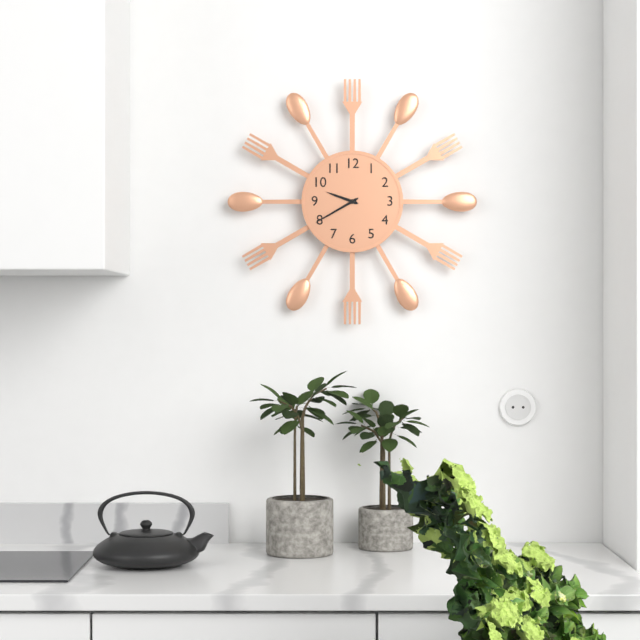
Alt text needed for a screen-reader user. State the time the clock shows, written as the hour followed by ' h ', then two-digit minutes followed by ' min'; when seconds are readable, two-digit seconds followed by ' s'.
9 h 40 min
